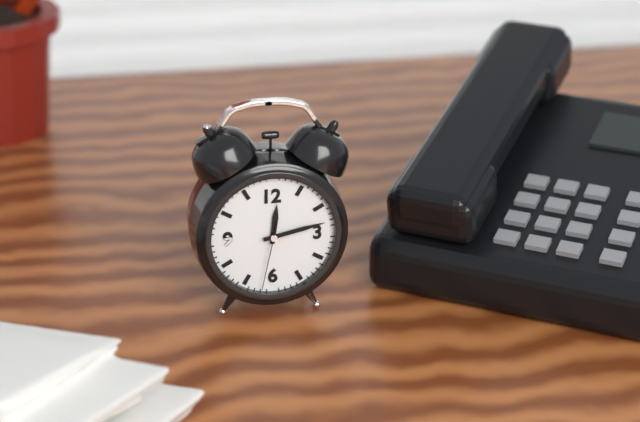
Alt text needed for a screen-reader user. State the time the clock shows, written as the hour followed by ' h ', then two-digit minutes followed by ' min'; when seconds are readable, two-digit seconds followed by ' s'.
12 h 13 min 32 s
